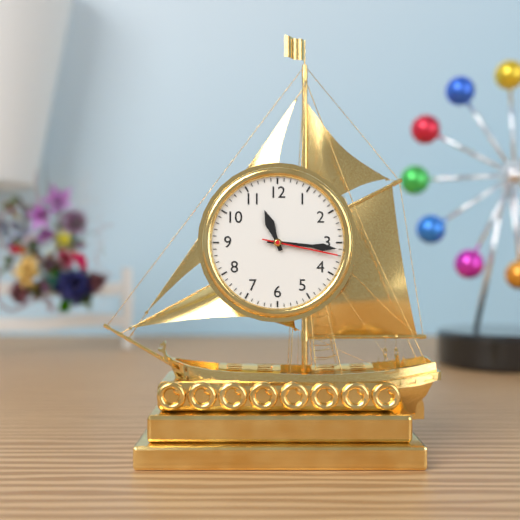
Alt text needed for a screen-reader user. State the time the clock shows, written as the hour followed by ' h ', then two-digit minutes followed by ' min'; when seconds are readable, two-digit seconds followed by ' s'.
11 h 16 min 17 s
